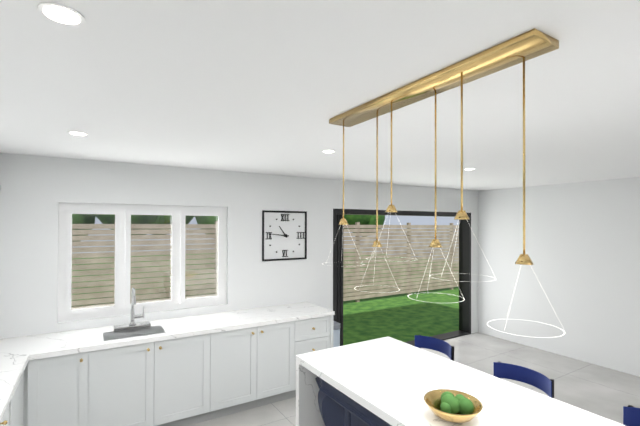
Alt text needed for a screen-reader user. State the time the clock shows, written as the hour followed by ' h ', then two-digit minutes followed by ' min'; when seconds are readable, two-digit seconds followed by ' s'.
10 h 46 min
